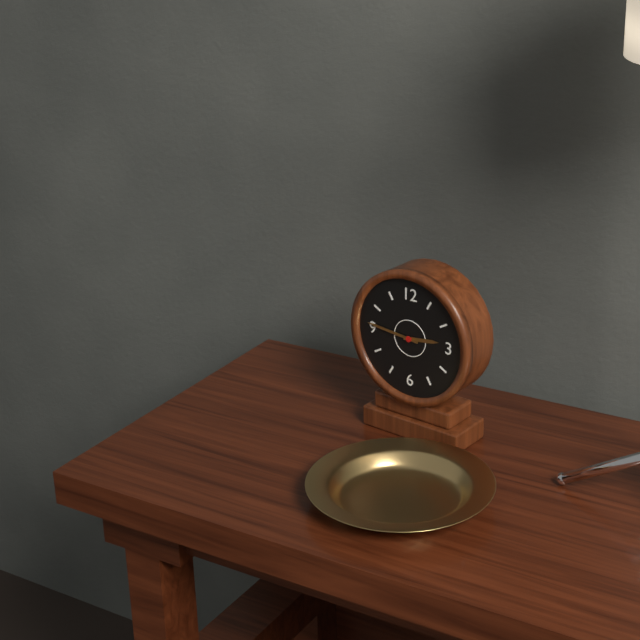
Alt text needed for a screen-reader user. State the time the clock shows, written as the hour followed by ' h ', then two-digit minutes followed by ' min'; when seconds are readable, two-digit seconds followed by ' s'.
2 h 46 min
